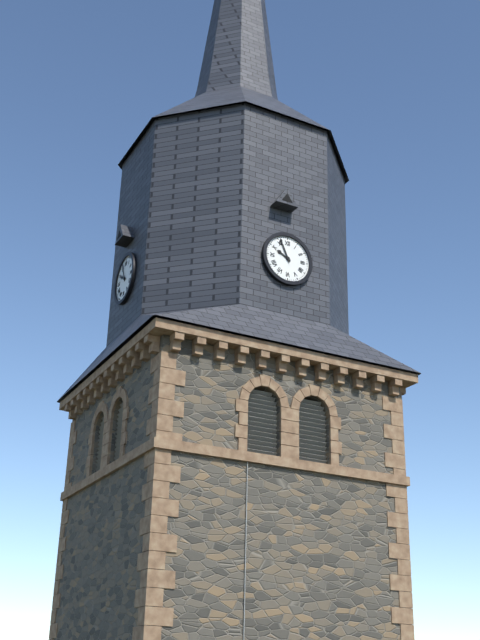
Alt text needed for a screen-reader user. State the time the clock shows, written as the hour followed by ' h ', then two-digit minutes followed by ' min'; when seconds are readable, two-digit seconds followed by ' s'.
9 h 56 min
